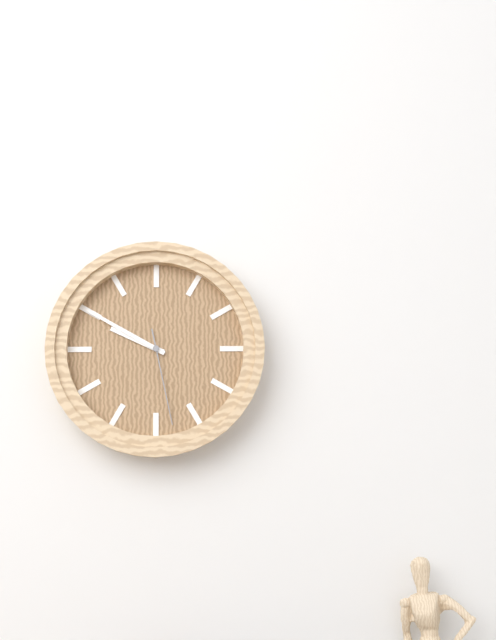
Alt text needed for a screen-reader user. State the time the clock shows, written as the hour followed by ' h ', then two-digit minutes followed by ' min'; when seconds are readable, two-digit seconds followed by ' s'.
9 h 50 min 28 s
